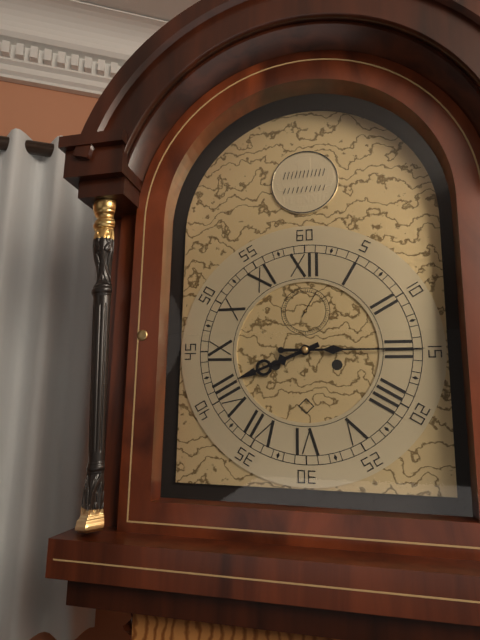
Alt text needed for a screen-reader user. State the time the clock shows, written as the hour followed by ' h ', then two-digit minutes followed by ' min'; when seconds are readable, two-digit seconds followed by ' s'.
8 h 15 min
